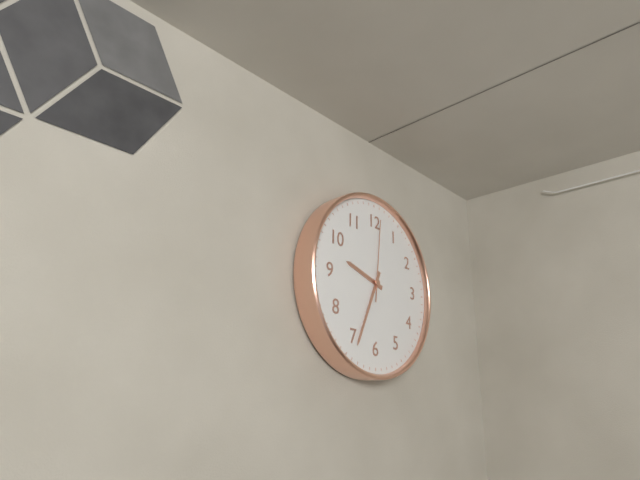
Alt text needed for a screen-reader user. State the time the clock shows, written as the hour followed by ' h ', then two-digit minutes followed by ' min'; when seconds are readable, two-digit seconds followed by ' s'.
9 h 34 min 01 s
